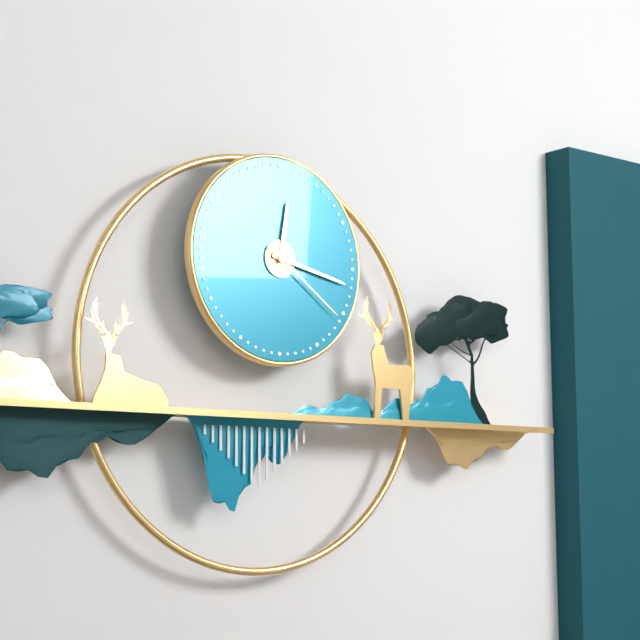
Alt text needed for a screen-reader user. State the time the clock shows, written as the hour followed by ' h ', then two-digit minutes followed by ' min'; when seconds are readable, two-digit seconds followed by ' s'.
12 h 17 min 21 s
